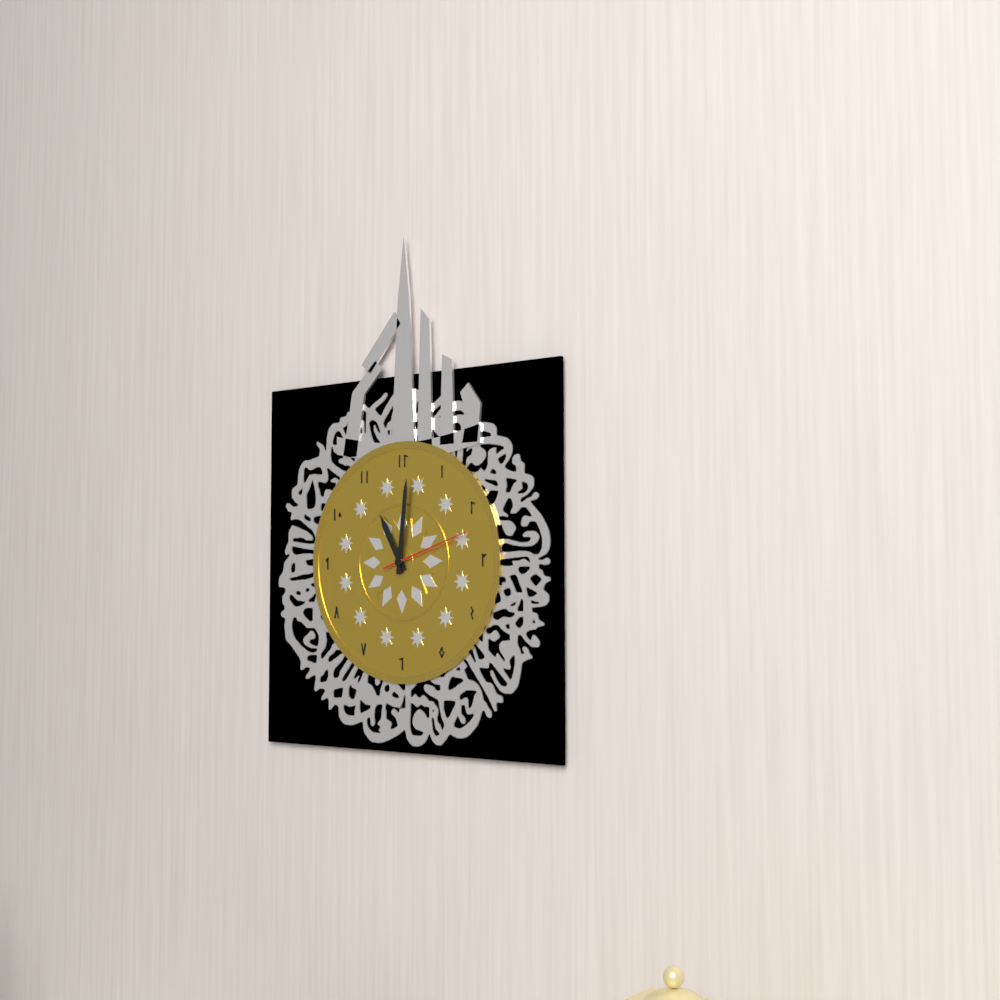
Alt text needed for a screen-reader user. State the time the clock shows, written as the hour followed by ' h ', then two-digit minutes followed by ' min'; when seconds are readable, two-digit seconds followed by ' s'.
11 h 01 min 12 s
